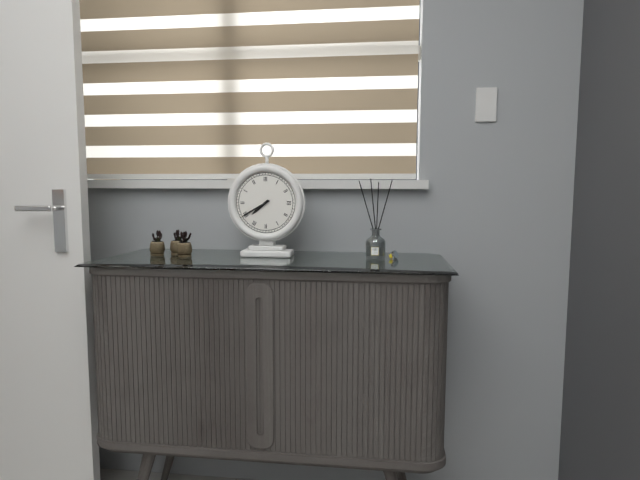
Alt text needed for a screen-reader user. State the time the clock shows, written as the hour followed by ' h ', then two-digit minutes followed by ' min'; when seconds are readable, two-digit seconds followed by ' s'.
7 h 40 min
